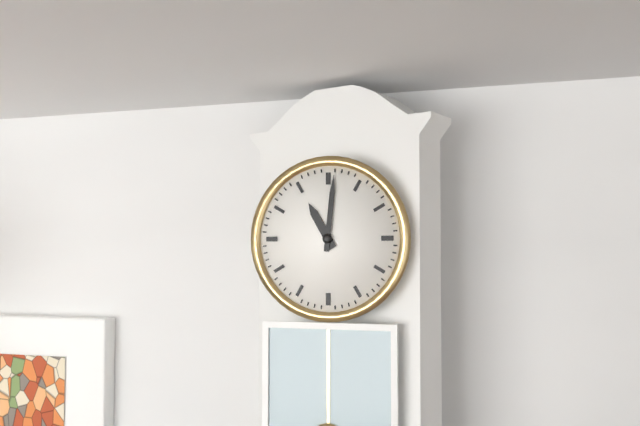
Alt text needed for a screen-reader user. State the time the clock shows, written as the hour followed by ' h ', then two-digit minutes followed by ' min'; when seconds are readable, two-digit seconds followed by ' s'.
11 h 01 min
